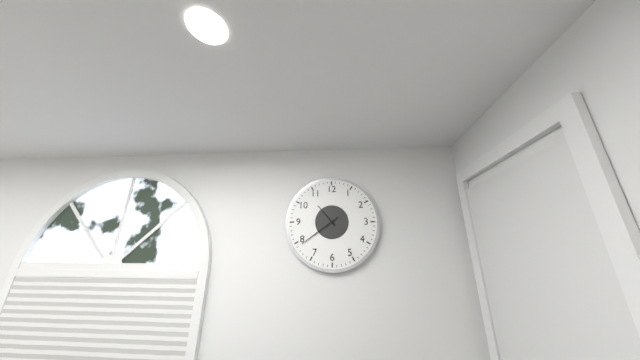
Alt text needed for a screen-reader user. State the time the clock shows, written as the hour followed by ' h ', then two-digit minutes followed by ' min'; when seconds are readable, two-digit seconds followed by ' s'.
10 h 39 min
